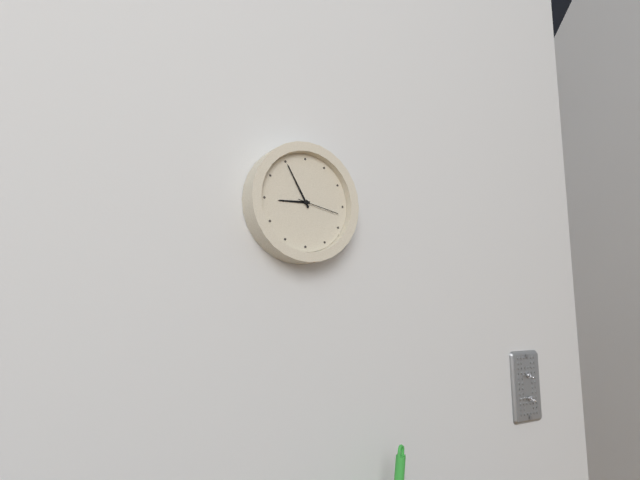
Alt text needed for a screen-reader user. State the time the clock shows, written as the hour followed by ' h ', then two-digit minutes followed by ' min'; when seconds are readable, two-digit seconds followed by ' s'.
8 h 55 min
